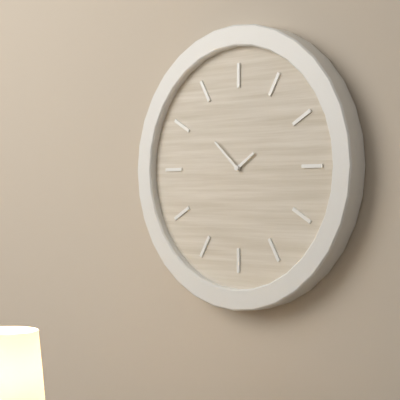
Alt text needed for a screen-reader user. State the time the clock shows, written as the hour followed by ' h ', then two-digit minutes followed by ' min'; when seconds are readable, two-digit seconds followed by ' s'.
1 h 52 min
